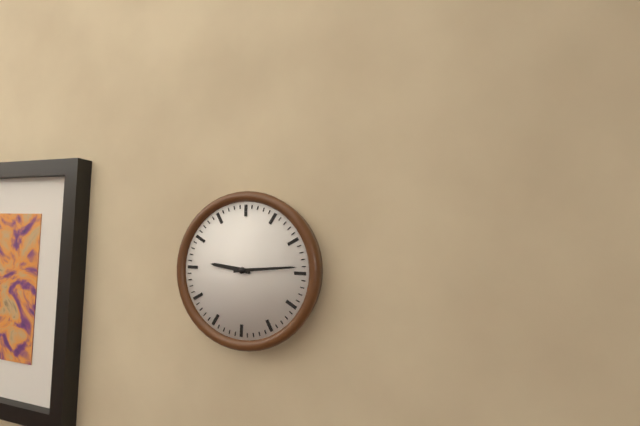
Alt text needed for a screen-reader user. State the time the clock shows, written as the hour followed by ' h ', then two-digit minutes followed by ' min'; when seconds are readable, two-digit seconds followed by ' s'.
9 h 14 min
